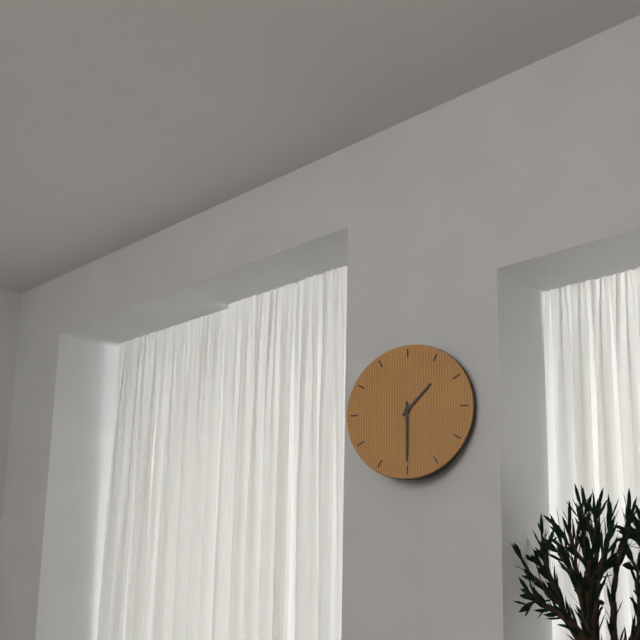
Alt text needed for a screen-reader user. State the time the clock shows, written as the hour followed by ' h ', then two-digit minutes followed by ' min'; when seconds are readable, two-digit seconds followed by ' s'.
1 h 30 min
